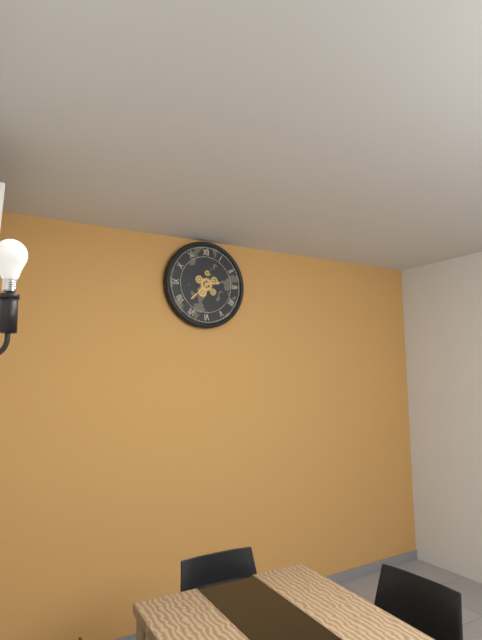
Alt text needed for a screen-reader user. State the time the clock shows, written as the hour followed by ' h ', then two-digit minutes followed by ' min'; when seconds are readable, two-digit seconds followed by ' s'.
2 h 38 min
